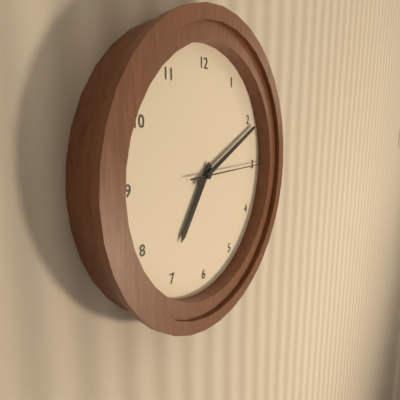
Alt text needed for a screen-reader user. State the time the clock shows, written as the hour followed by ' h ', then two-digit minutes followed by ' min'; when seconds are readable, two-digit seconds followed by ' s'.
7 h 11 min 15 s
